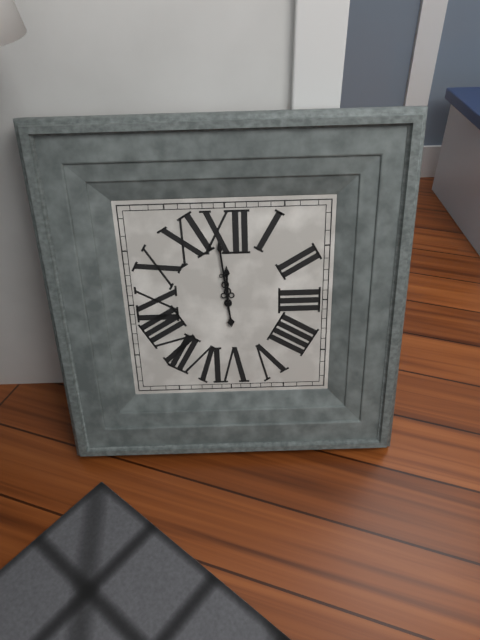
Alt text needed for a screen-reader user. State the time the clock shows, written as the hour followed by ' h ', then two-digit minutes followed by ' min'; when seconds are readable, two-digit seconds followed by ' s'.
11 h 59 min
